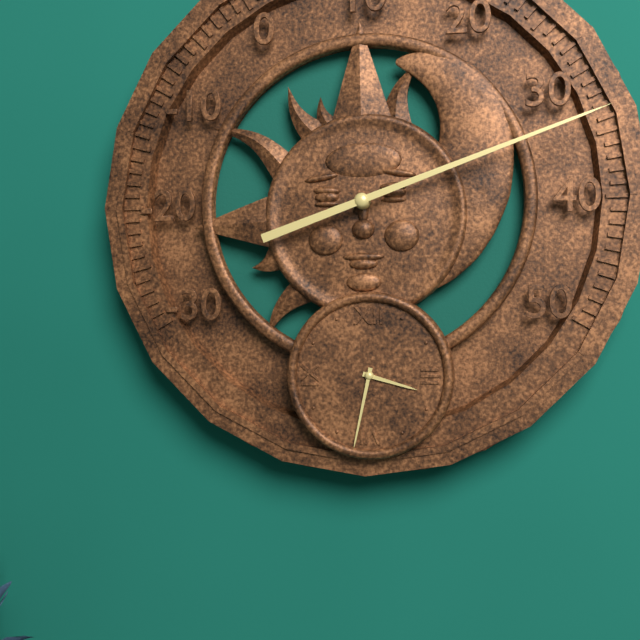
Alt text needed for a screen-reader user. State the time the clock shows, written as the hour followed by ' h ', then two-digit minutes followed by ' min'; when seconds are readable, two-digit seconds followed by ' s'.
3 h 32 min
